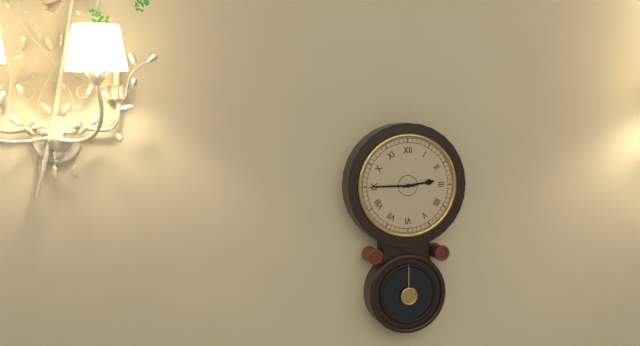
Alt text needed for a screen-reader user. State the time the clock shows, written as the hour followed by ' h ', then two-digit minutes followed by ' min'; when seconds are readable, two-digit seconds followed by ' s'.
2 h 45 min
